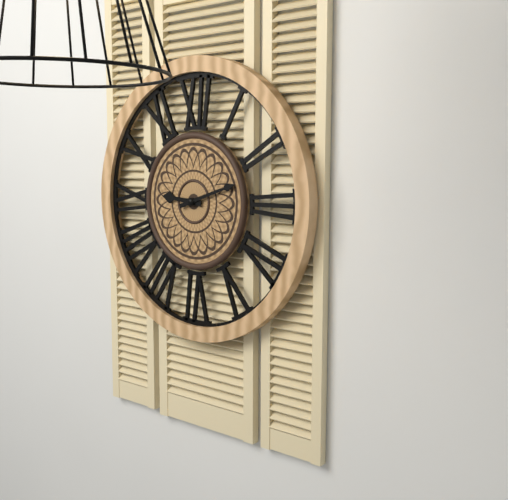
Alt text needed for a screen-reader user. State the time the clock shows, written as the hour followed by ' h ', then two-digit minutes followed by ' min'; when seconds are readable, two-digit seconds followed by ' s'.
9 h 12 min
